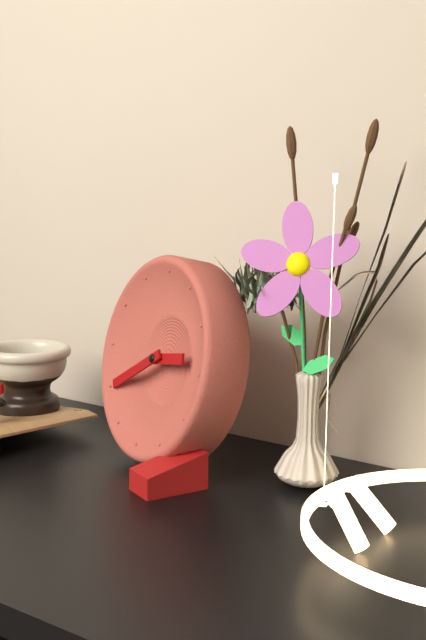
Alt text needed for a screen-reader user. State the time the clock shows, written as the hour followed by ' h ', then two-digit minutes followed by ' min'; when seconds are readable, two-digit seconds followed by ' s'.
2 h 40 min
